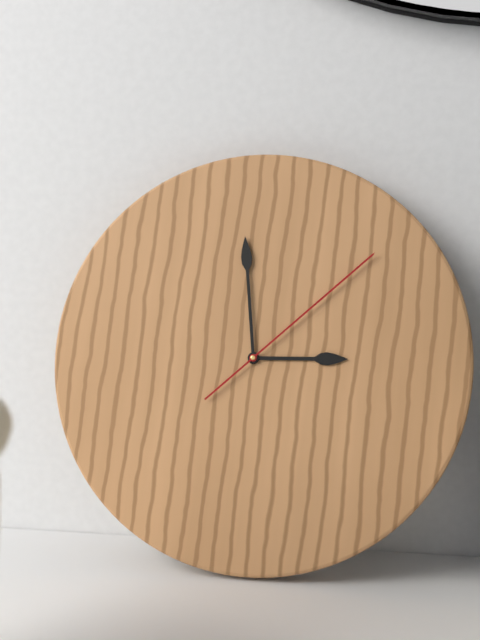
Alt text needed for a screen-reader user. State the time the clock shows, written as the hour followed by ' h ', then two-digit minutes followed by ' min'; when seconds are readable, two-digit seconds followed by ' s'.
2 h 59 min 08 s
